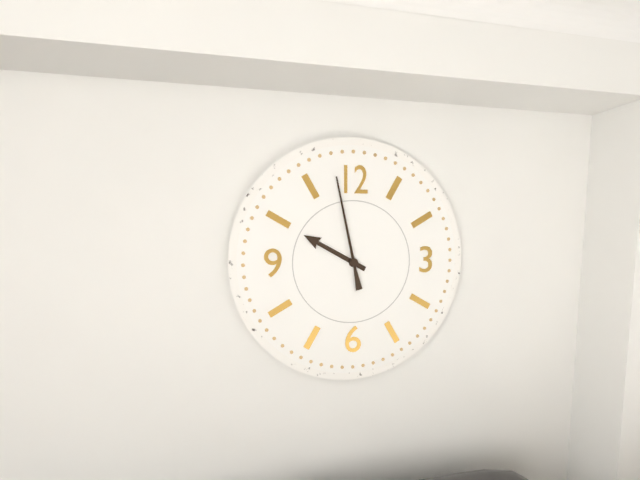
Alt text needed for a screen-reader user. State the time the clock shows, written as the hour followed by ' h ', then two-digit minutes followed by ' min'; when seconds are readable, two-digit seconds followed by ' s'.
9 h 58 min
